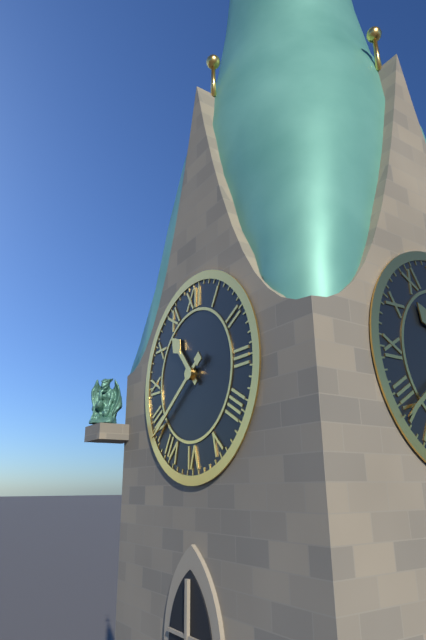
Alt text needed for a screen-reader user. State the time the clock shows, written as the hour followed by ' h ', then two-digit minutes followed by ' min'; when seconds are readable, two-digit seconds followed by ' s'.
10 h 39 min
